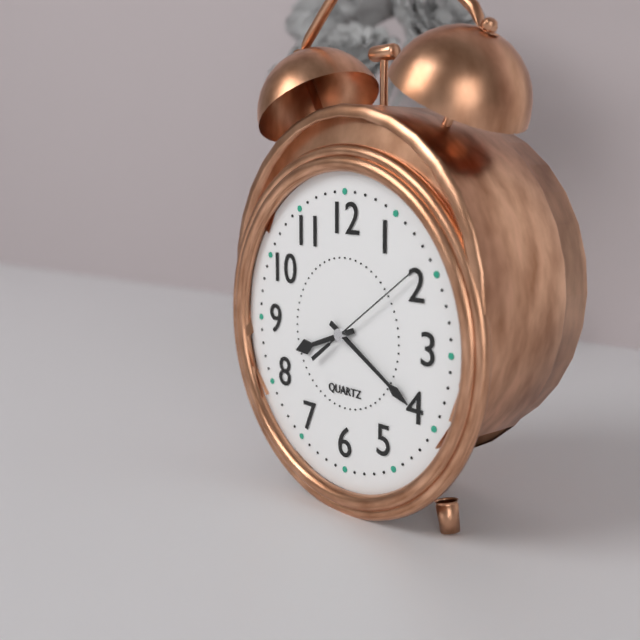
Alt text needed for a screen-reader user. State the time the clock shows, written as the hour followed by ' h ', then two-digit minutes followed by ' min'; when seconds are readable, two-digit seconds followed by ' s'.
8 h 20 min 09 s
